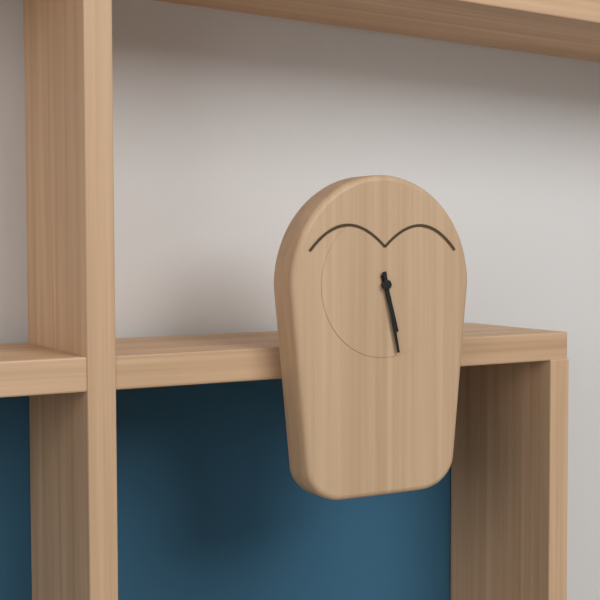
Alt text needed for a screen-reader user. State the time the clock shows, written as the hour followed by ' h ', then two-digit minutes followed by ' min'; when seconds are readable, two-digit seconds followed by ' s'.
5 h 28 min
